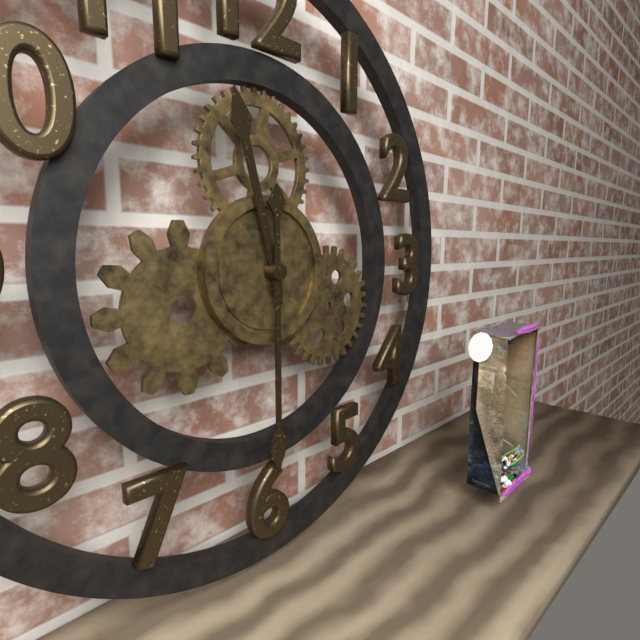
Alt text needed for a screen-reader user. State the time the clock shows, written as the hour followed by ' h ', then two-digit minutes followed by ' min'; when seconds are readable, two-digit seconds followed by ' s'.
11 h 30 min
